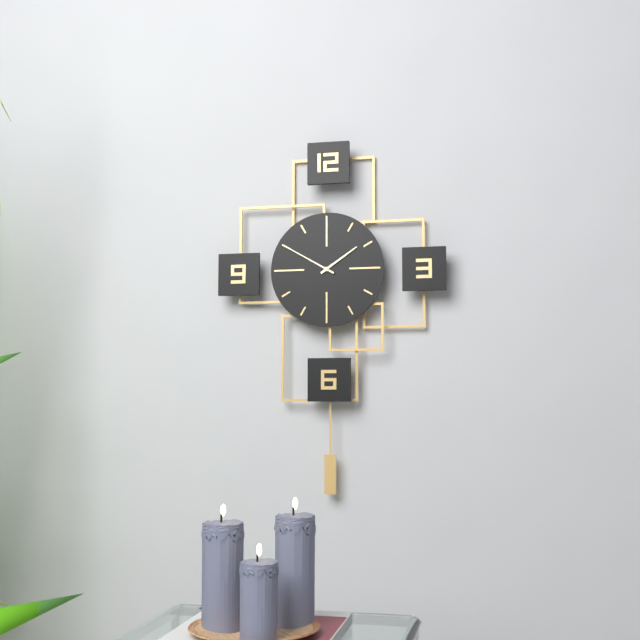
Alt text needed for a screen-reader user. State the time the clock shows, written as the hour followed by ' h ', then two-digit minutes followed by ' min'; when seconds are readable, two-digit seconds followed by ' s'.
1 h 50 min
